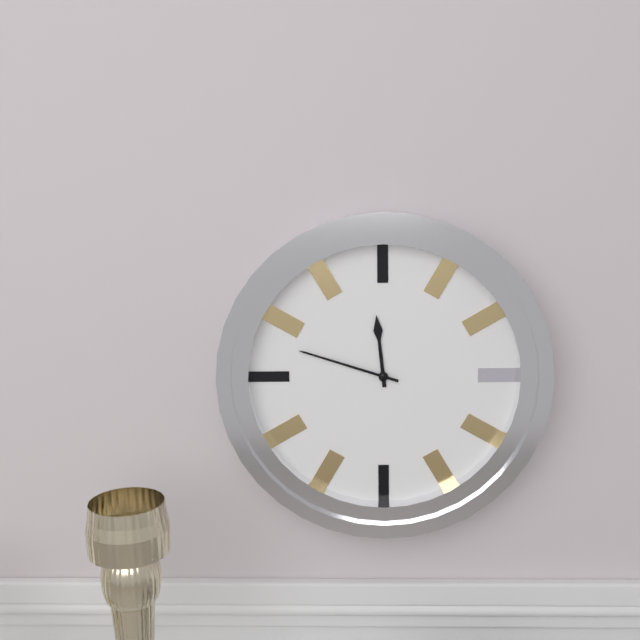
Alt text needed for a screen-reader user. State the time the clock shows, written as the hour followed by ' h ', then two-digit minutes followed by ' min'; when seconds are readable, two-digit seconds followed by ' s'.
11 h 48 min
